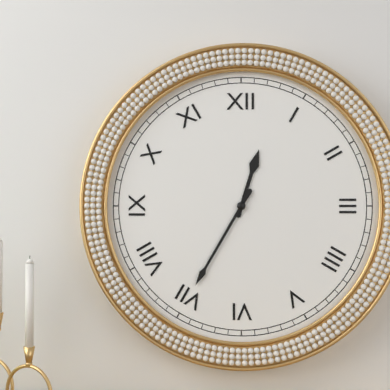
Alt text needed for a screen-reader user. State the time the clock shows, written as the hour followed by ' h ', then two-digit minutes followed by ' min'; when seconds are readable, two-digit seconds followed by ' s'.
12 h 35 min
